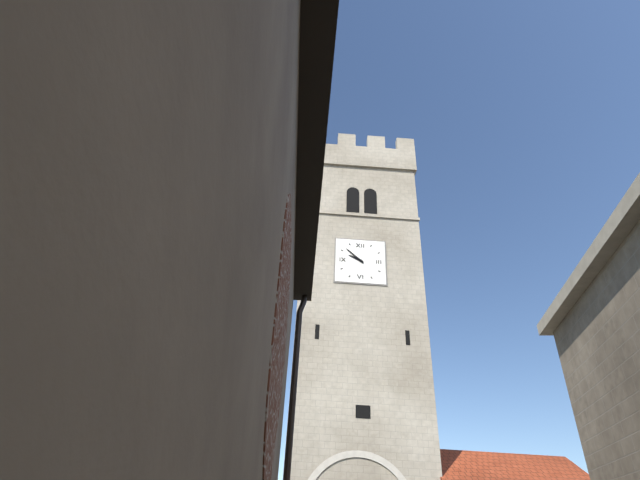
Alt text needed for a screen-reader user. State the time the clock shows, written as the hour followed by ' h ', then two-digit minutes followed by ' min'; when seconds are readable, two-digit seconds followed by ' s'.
9 h 52 min
